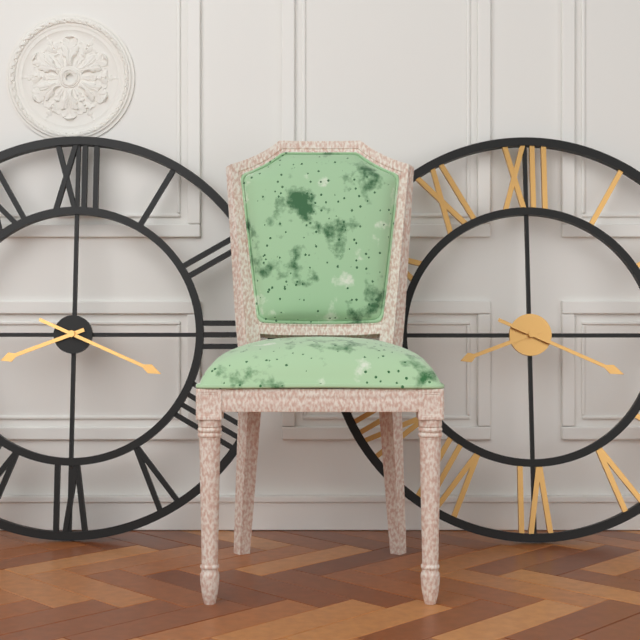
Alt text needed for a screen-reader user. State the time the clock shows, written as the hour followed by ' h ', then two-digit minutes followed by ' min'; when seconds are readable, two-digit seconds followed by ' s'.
8 h 19 min
